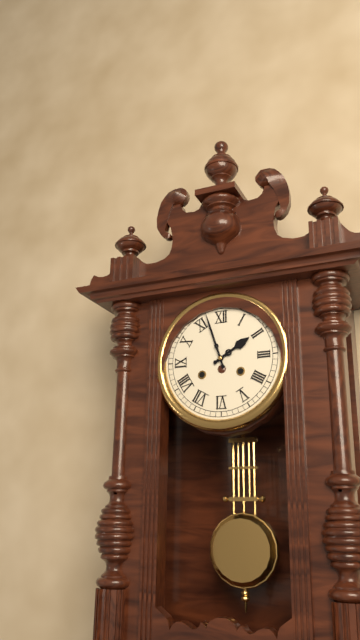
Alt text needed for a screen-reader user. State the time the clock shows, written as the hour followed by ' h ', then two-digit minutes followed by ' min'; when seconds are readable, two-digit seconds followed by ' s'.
1 h 57 min
